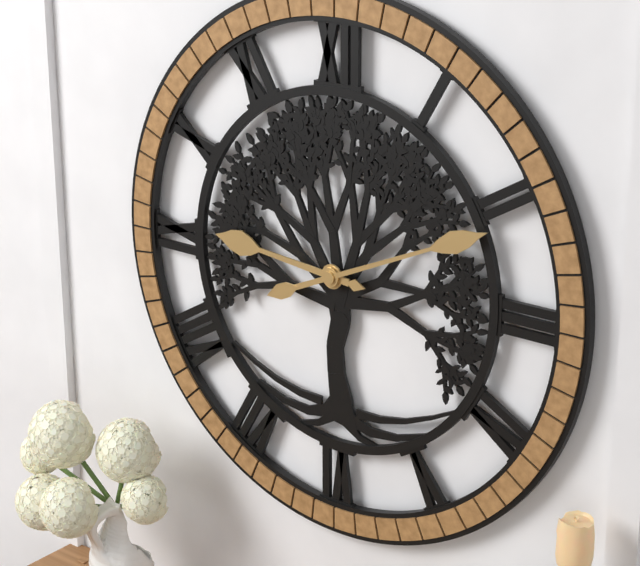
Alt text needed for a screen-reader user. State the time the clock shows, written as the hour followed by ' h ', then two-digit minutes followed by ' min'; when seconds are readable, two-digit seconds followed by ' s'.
9 h 11 min
